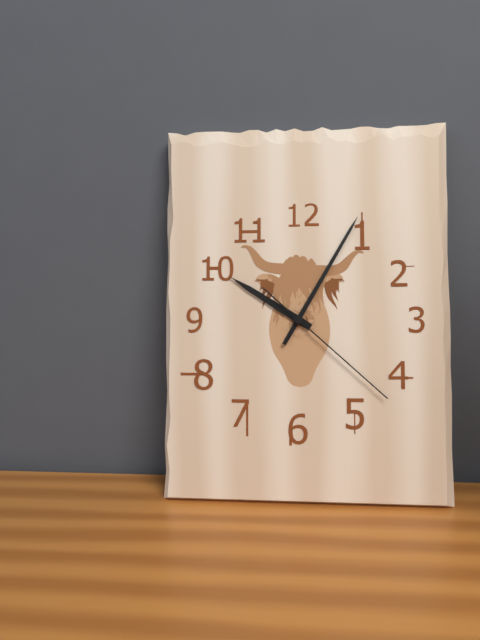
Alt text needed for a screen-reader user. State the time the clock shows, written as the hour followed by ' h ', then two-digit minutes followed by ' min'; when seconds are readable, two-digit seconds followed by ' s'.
10 h 05 min 22 s
